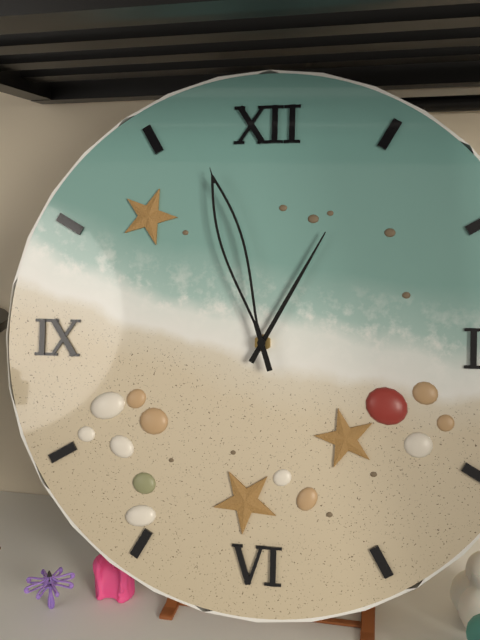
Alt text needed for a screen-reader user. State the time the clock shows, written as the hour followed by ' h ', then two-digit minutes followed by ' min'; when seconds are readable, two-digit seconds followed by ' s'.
12 h 57 min
